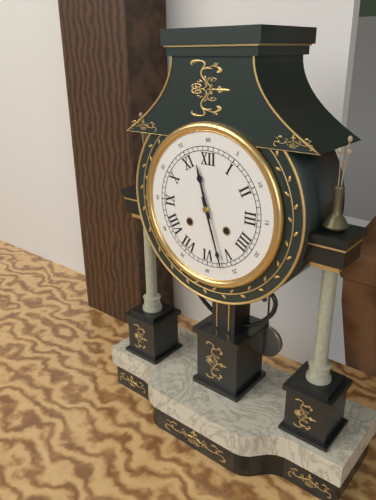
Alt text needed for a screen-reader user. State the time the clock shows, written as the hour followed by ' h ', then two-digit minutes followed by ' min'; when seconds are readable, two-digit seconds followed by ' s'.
11 h 27 min
